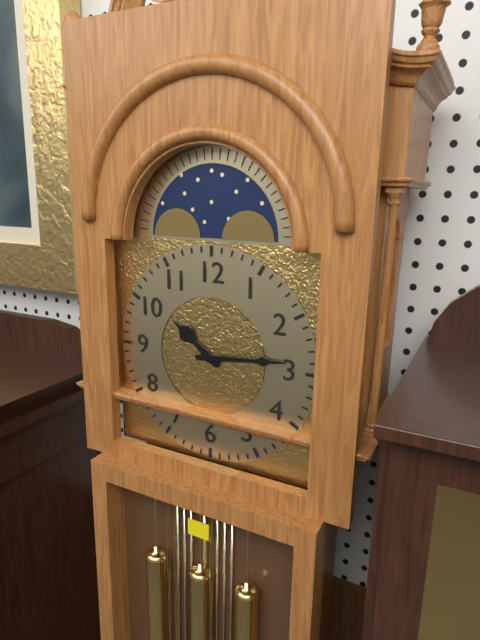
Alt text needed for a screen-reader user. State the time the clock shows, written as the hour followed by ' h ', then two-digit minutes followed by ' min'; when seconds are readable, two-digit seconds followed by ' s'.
10 h 14 min
